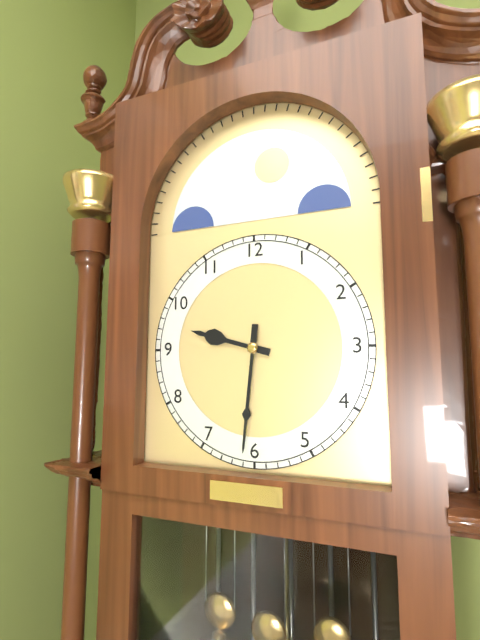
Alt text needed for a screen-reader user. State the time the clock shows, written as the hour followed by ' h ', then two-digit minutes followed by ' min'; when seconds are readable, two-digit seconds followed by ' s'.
9 h 31 min
